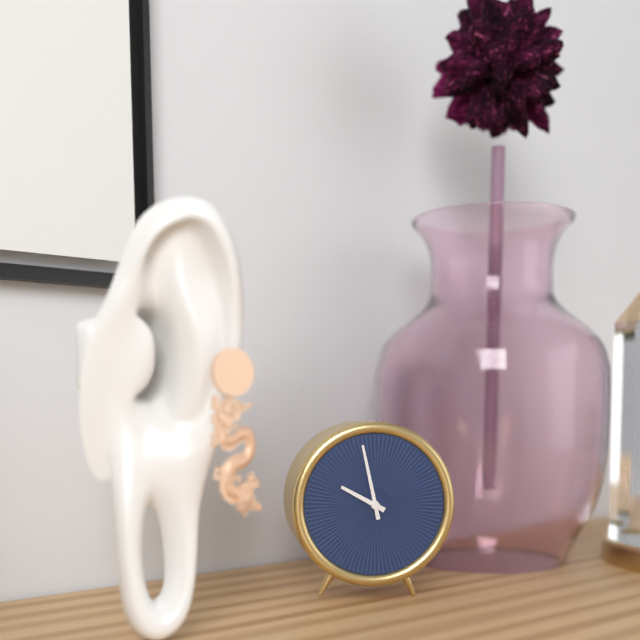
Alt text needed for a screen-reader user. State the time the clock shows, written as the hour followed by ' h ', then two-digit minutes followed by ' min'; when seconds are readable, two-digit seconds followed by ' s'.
9 h 58 min
